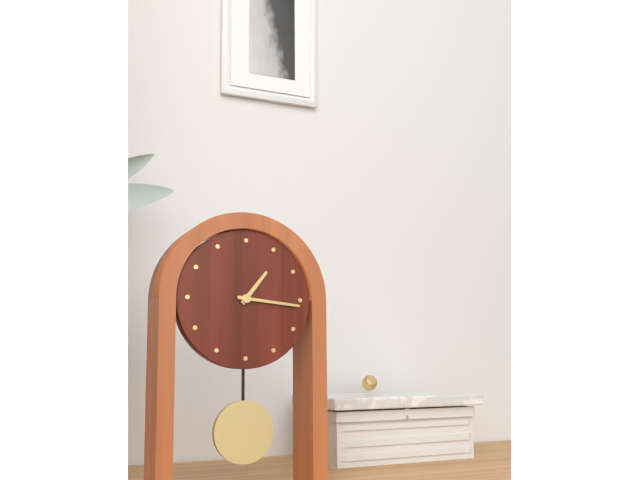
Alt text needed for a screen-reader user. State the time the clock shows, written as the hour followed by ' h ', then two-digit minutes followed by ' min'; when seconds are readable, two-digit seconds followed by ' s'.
1 h 16 min
